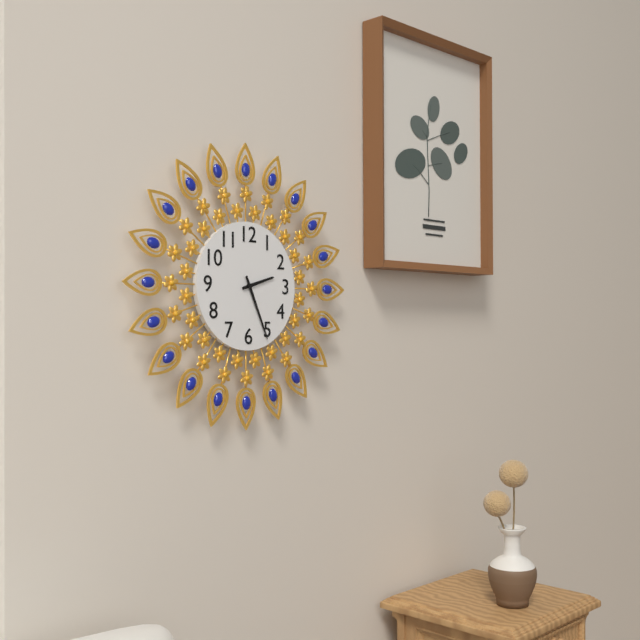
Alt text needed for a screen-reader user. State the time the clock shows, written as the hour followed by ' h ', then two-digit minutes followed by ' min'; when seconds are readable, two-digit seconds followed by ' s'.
2 h 26 min
